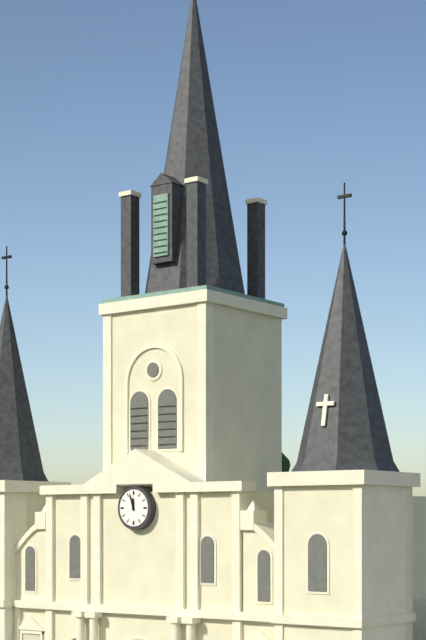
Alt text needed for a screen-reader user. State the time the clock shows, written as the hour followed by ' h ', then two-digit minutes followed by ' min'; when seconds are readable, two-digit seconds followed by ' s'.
11 h 57 min
